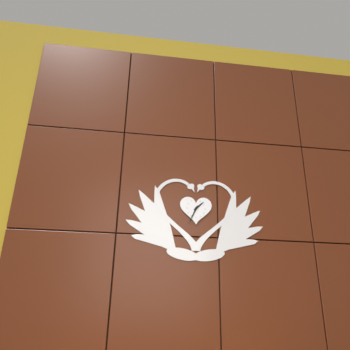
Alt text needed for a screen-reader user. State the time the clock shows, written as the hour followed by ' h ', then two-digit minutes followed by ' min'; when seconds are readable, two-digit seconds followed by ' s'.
1 h 34 min
